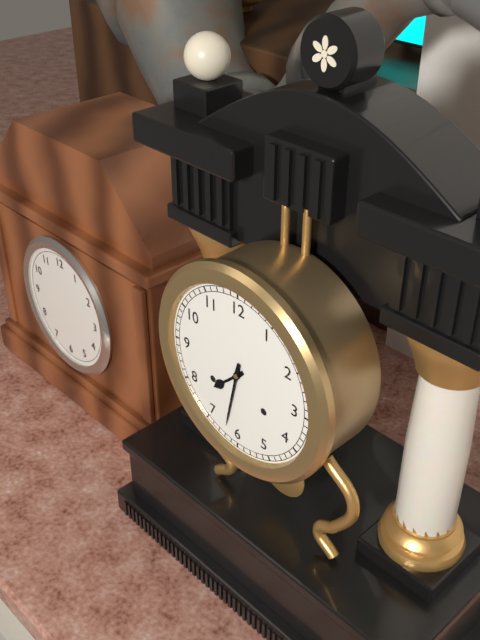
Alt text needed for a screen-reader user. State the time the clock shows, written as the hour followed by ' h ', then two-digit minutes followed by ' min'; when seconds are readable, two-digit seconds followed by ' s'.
7 h 32 min
